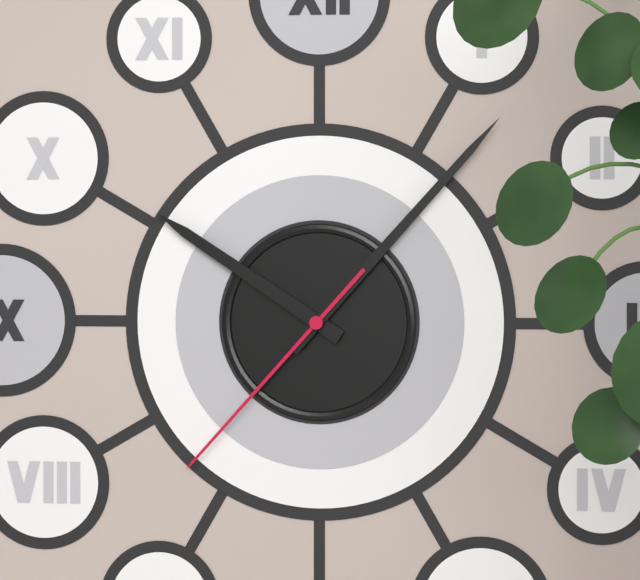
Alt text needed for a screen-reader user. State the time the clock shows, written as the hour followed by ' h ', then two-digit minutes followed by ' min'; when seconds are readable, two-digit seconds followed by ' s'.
10 h 07 min 37 s
